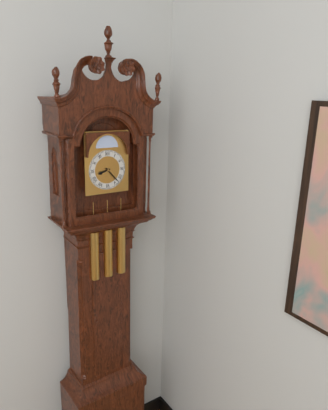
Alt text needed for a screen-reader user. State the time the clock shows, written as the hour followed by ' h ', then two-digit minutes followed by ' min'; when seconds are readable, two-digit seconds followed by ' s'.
8 h 23 min
